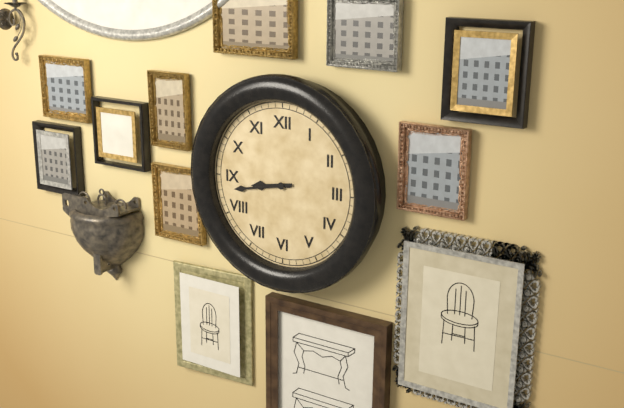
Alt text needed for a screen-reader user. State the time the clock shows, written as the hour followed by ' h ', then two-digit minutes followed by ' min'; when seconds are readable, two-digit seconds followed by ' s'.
8 h 43 min
